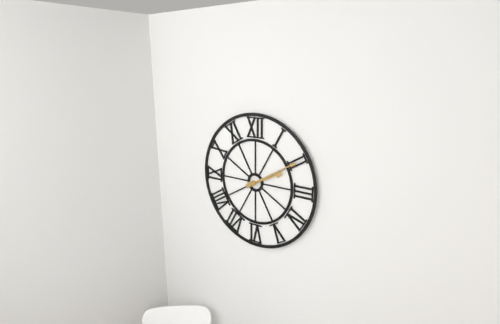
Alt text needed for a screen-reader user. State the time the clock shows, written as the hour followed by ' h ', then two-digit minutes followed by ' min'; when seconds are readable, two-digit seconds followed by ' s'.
2 h 10 min
